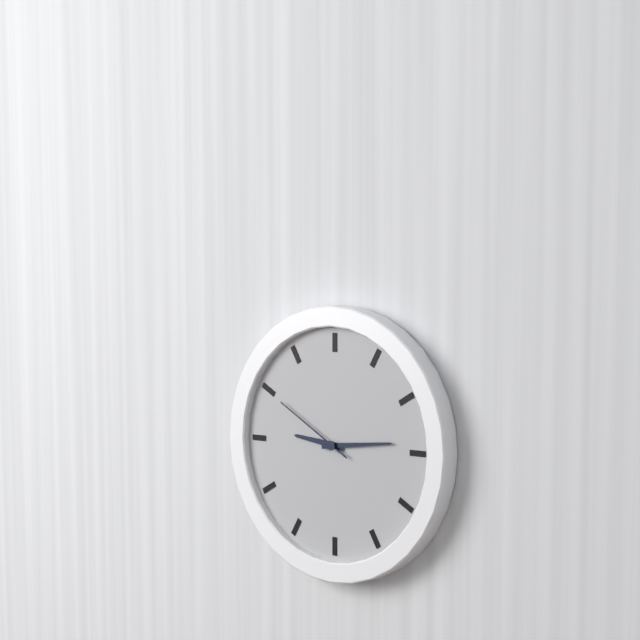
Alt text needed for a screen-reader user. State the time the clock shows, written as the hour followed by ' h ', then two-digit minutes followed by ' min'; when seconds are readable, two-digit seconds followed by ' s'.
9 h 14 min 50 s
